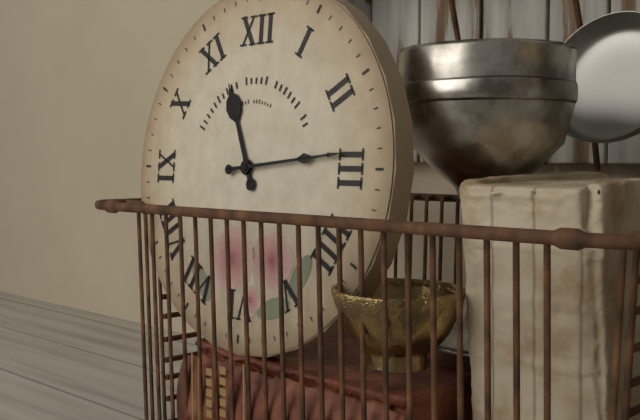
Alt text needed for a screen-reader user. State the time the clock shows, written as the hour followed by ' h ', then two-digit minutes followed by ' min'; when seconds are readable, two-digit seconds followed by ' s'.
11 h 14 min
